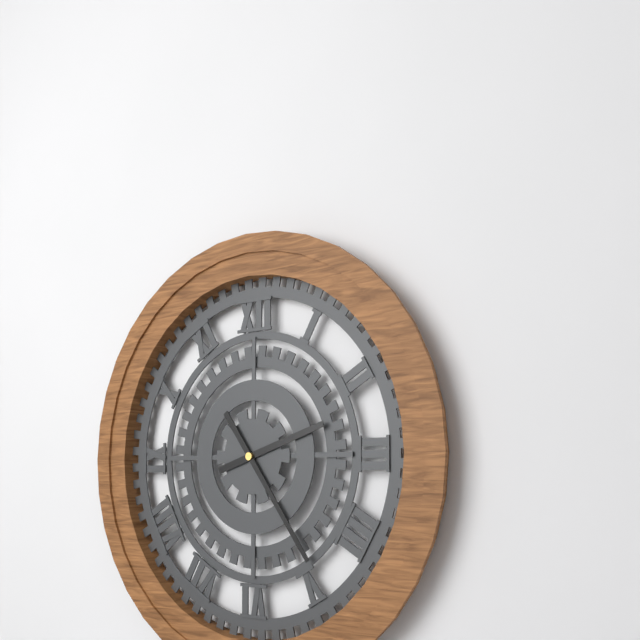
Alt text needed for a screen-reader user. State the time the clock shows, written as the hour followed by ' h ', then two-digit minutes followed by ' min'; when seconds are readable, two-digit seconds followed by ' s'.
2 h 24 min
